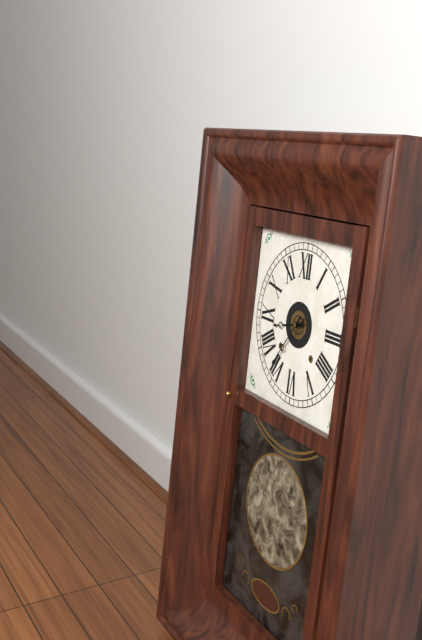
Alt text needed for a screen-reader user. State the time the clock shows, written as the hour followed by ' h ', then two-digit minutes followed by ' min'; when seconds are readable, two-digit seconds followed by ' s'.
8 h 36 min
